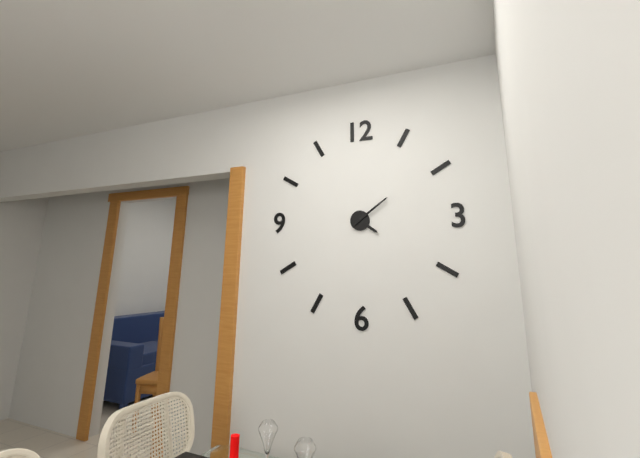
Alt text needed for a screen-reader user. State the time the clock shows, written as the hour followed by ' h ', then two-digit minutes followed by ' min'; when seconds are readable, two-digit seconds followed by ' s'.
4 h 09 min
